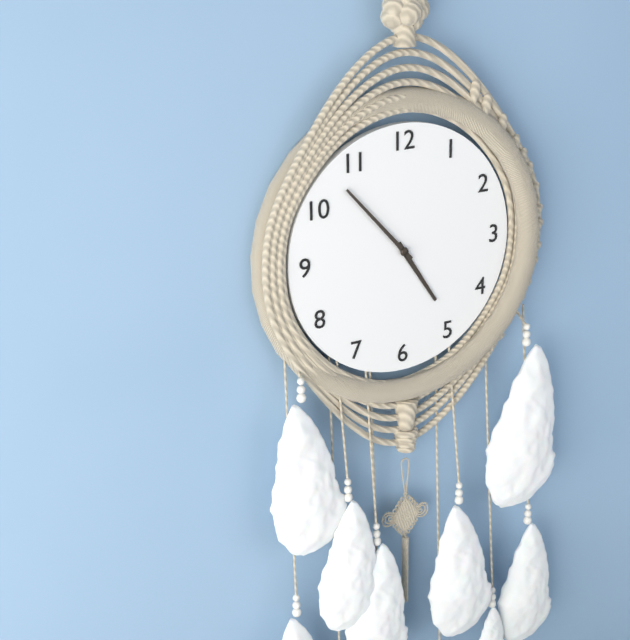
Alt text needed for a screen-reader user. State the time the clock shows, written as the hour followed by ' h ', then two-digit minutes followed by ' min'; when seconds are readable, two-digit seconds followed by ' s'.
4 h 53 min
